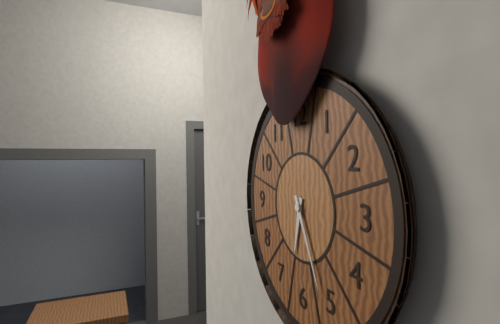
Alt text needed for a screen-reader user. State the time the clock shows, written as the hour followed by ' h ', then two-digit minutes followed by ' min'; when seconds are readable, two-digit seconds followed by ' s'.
6 h 26 min
